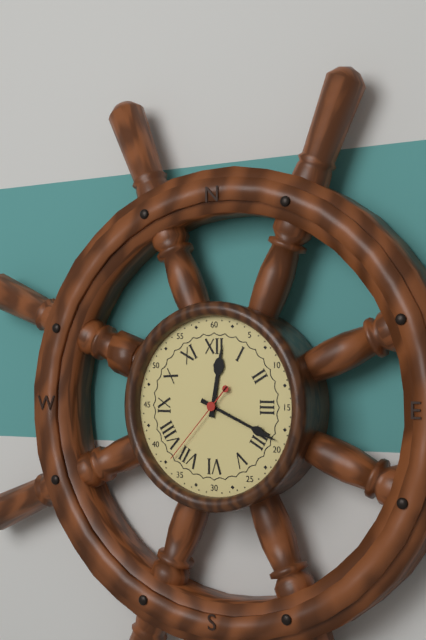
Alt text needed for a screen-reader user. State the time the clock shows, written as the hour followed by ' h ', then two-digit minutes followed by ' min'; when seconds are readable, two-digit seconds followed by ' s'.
12 h 19 min 37 s
